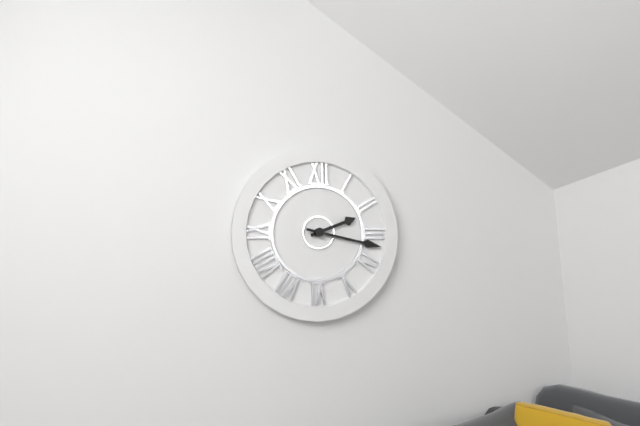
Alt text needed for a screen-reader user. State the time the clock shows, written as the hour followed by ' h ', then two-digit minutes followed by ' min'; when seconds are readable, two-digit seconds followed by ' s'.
2 h 17 min
